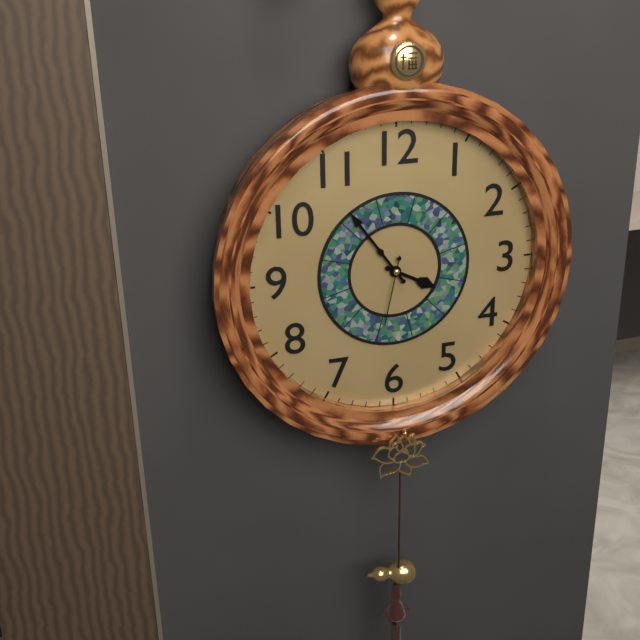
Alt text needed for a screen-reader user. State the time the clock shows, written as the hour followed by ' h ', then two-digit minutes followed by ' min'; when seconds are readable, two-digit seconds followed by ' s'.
3 h 54 min 32 s
